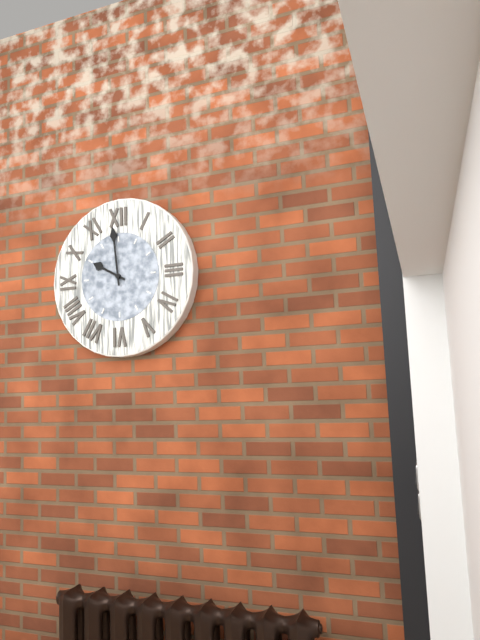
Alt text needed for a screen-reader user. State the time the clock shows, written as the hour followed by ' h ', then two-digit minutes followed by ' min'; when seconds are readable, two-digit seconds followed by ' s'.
9 h 59 min
